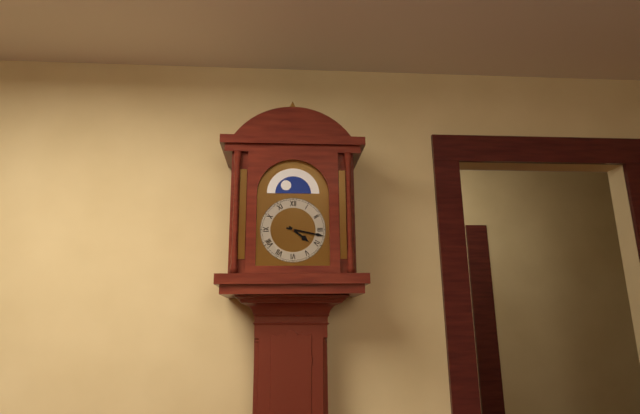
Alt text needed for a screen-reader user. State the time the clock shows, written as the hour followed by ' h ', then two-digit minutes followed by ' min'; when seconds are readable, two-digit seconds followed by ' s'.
4 h 17 min
